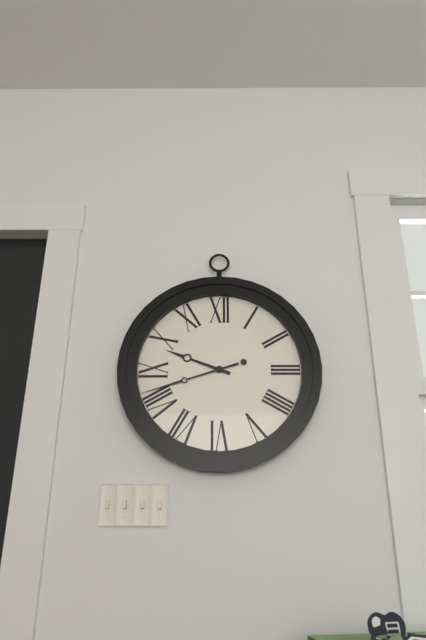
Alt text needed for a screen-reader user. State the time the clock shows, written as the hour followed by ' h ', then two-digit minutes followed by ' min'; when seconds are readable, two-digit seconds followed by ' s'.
9 h 42 min
